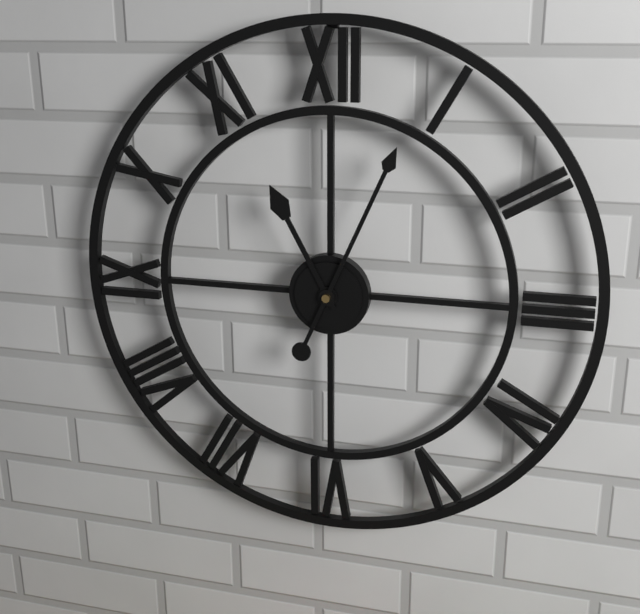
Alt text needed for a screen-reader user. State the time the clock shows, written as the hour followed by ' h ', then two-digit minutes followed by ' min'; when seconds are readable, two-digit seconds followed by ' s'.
11 h 04 min
